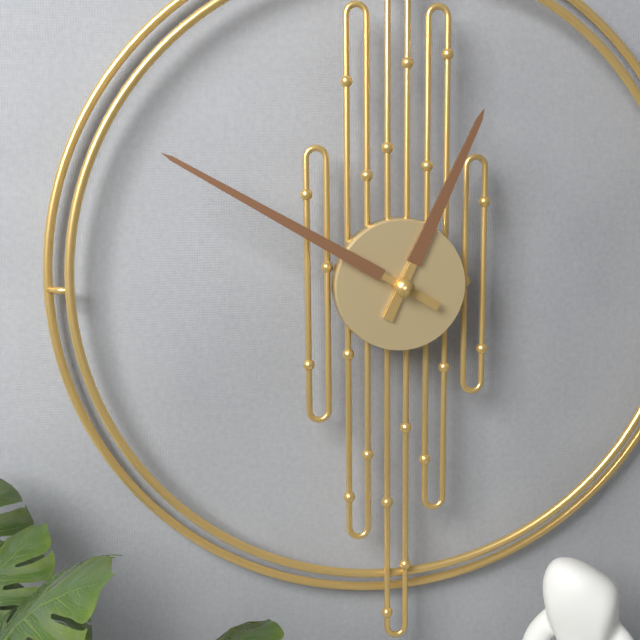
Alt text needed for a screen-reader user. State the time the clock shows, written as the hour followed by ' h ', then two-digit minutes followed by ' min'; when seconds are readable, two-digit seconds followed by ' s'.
12 h 50 min
